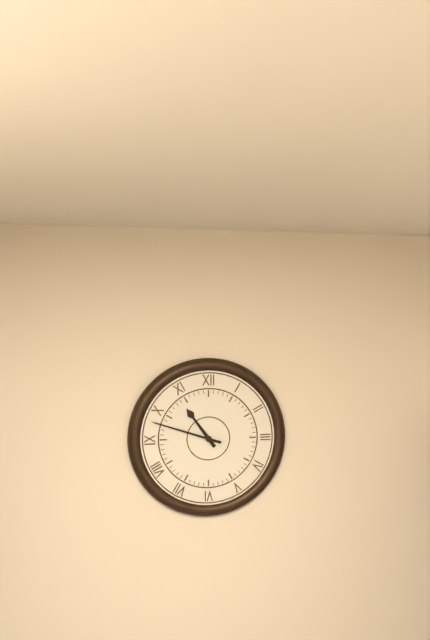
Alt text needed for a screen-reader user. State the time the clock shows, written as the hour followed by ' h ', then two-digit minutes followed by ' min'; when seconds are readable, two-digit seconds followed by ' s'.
10 h 48 min
